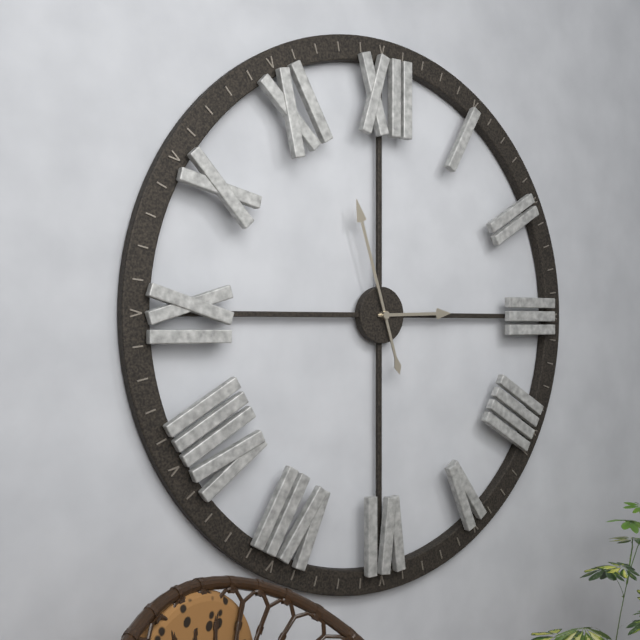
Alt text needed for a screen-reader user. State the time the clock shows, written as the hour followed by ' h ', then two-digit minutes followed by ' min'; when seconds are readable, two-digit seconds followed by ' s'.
2 h 57 min
